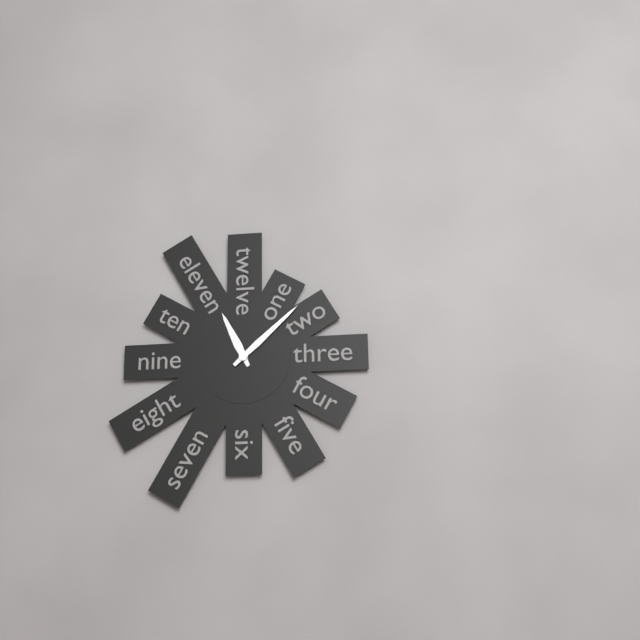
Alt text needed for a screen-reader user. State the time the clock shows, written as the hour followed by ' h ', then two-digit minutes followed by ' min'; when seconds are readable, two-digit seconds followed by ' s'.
11 h 08 min
